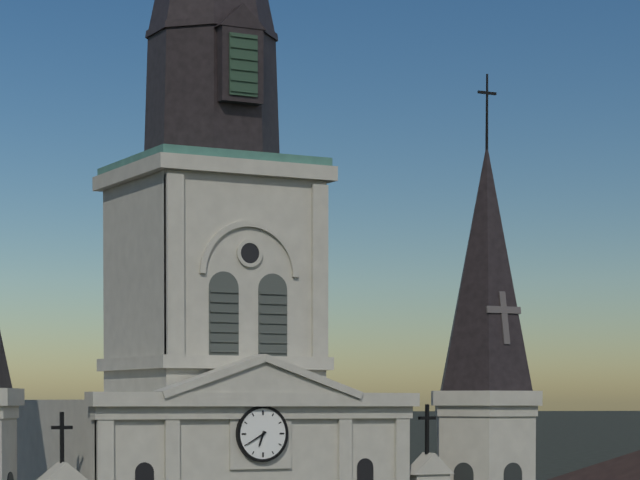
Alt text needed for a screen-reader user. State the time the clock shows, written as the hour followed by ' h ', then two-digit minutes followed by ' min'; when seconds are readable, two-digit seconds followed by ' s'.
6 h 40 min
